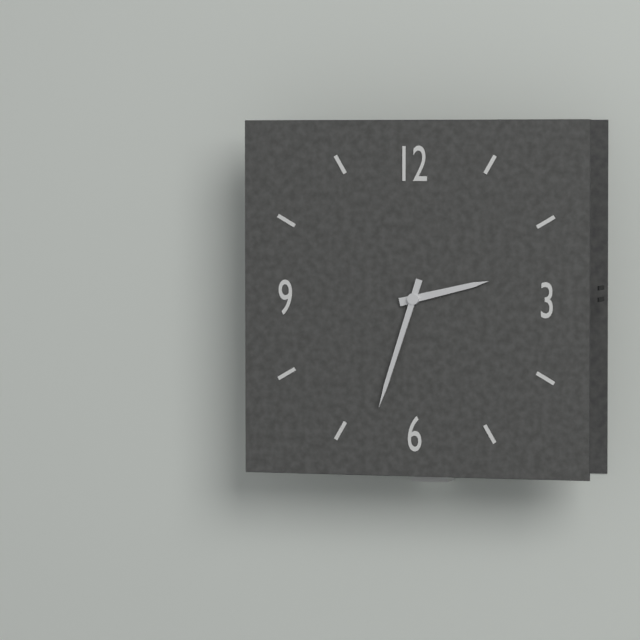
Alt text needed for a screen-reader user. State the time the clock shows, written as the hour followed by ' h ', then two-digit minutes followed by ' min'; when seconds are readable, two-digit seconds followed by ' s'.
2 h 33 min
